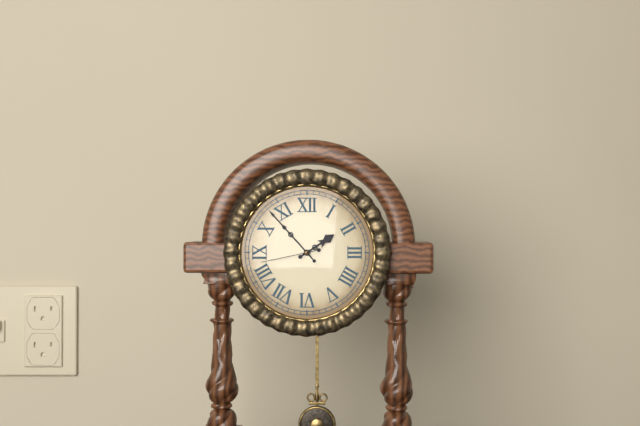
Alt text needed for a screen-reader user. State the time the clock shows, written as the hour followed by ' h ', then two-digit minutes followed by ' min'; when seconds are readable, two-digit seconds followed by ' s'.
1 h 53 min 43 s
